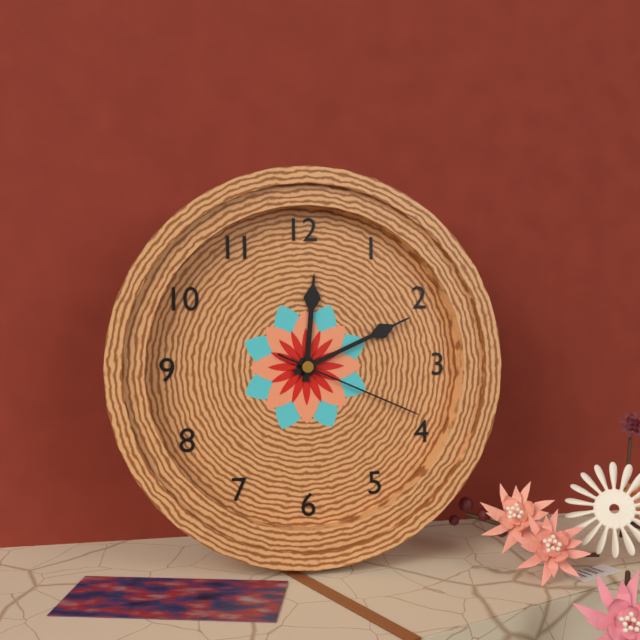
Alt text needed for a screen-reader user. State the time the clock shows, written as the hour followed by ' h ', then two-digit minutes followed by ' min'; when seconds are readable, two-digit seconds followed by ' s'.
12 h 11 min 19 s
